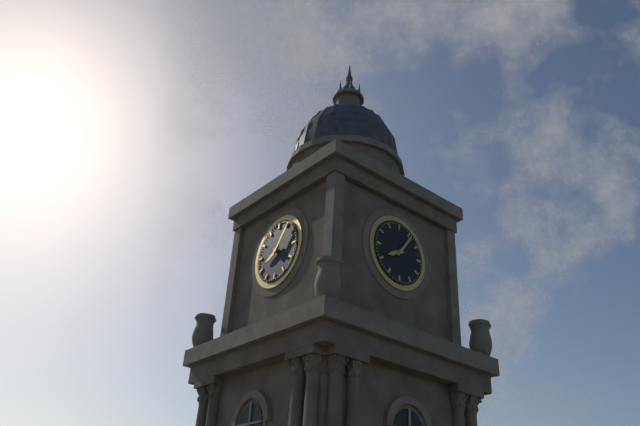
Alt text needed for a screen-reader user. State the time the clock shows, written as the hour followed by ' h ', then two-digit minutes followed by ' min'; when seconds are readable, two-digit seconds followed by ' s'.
8 h 06 min
